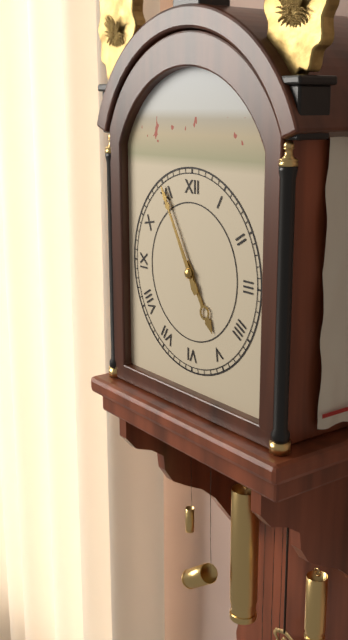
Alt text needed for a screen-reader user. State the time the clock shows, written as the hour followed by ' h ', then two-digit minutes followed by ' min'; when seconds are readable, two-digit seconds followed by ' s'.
4 h 55 min
